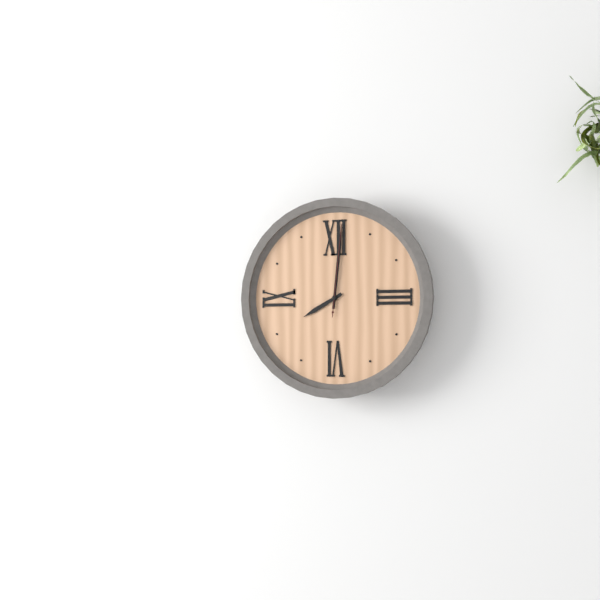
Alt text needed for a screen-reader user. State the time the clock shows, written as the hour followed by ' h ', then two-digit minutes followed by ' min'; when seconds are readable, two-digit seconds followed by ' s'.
8 h 01 min 01 s
